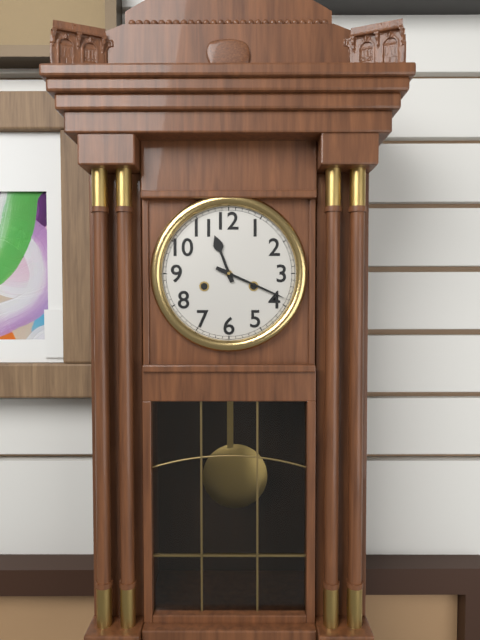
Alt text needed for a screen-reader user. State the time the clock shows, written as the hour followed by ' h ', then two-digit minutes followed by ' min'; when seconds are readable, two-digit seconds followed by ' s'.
11 h 19 min
